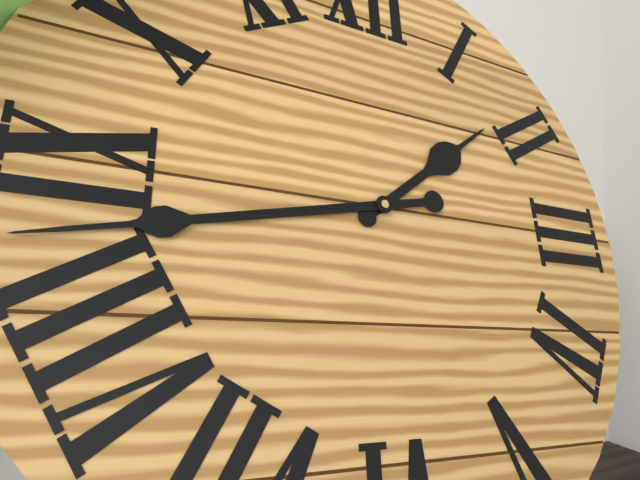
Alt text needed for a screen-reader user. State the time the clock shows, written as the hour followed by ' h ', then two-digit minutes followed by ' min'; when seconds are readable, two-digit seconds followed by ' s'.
1 h 43 min
